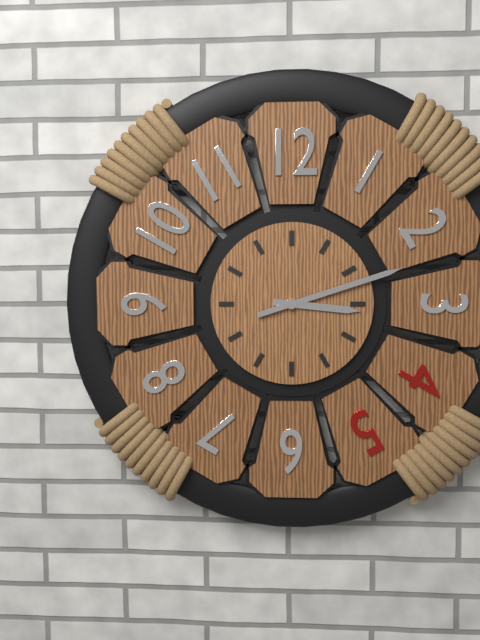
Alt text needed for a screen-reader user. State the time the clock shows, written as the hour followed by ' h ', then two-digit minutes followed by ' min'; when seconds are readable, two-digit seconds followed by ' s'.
3 h 12 min
